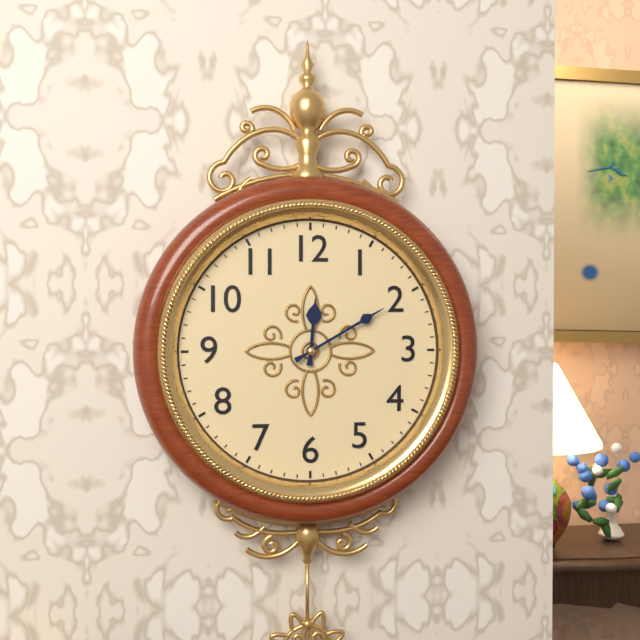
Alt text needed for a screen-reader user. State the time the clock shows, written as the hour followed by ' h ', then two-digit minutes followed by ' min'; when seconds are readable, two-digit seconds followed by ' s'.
12 h 10 min
